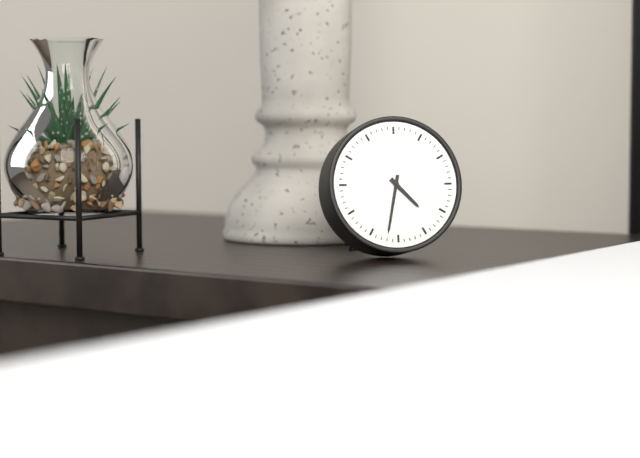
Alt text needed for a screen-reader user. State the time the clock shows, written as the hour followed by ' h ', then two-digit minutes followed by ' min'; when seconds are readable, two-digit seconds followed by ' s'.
4 h 32 min
